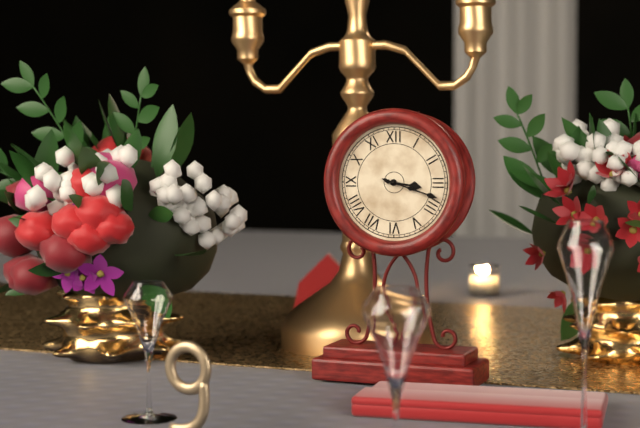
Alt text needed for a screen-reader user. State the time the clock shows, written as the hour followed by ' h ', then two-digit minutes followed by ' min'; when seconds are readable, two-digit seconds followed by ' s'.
3 h 18 min
